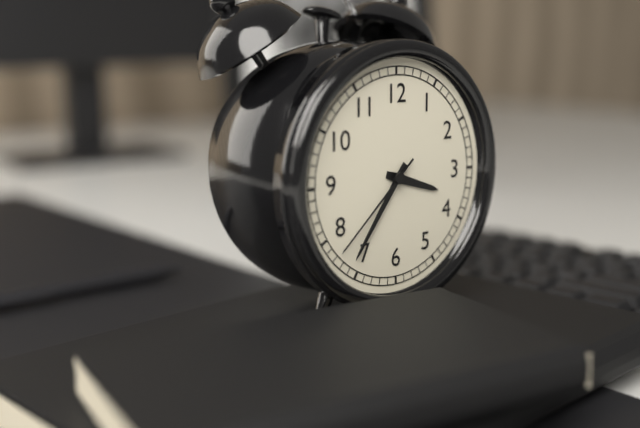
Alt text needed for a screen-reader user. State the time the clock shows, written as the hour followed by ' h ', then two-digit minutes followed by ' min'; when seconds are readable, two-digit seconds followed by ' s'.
3 h 36 min 38 s
